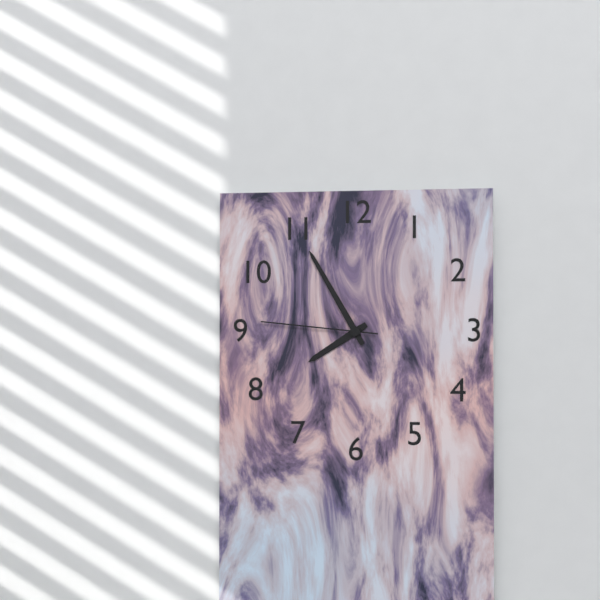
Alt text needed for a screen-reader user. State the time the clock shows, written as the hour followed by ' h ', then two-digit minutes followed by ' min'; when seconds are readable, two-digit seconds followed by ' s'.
7 h 55 min 46 s
